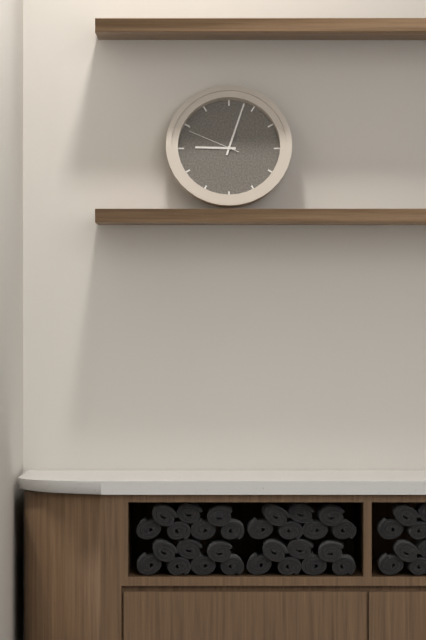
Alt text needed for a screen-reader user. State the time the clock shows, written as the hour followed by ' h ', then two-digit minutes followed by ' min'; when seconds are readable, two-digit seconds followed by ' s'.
9 h 03 min 49 s
